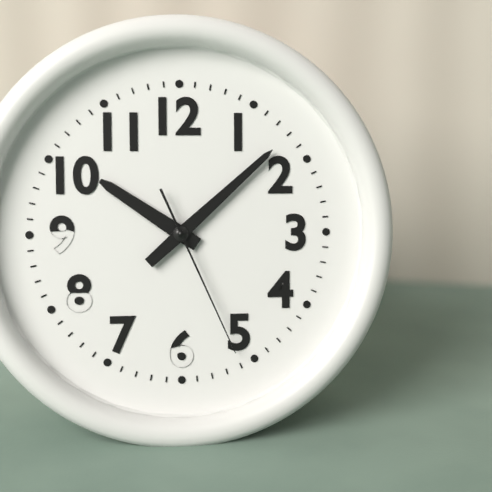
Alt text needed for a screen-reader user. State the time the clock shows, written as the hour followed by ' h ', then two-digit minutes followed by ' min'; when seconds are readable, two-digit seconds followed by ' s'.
10 h 08 min 26 s
